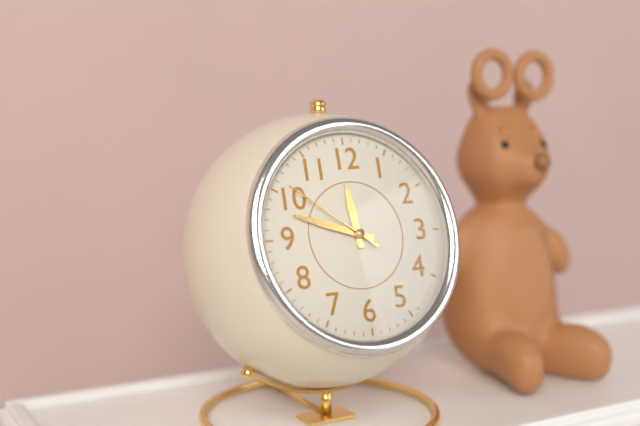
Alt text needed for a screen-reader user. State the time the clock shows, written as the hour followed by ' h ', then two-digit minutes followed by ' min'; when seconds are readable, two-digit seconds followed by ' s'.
11 h 48 min 51 s
